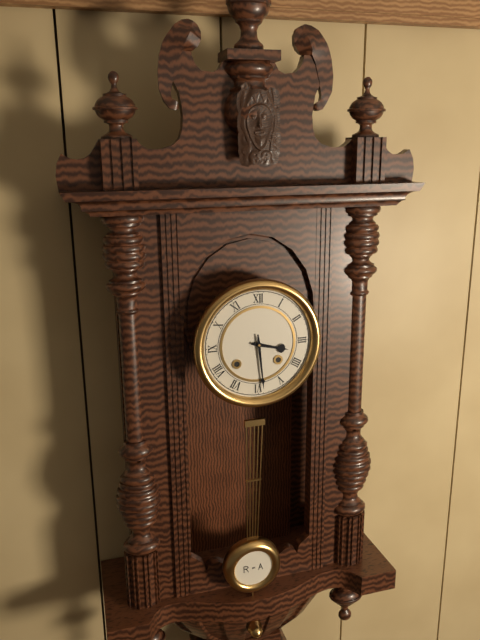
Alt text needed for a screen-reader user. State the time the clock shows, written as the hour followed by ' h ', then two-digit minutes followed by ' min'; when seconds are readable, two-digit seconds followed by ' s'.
3 h 29 min
